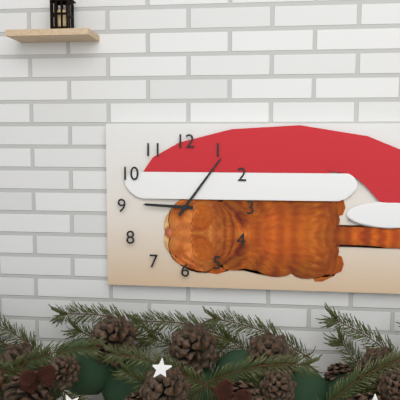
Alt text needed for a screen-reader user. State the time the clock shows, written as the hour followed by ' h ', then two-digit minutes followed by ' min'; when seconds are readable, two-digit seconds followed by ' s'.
9 h 06 min
